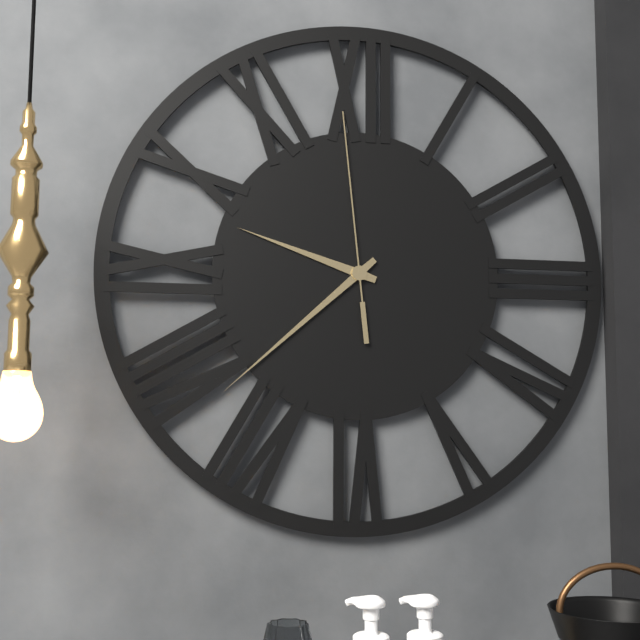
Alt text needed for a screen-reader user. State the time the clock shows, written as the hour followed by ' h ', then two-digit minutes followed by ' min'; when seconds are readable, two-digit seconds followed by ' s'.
9 h 38 min 59 s
